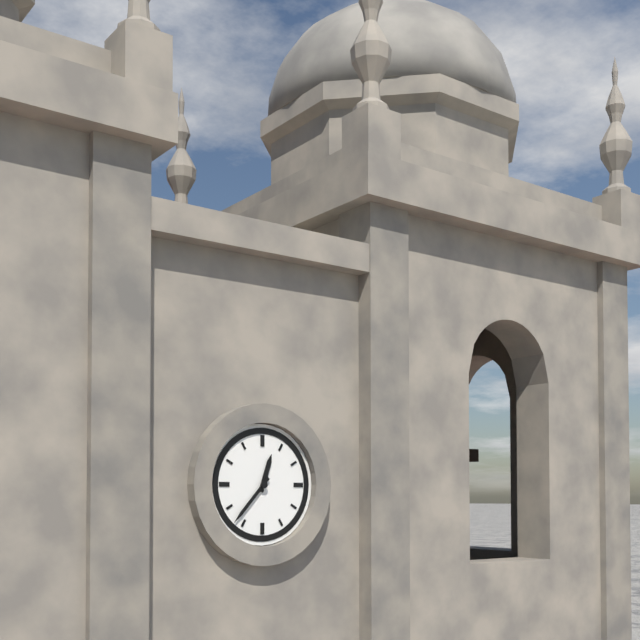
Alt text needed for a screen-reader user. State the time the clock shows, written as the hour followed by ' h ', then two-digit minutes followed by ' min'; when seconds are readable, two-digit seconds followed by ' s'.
12 h 37 min
